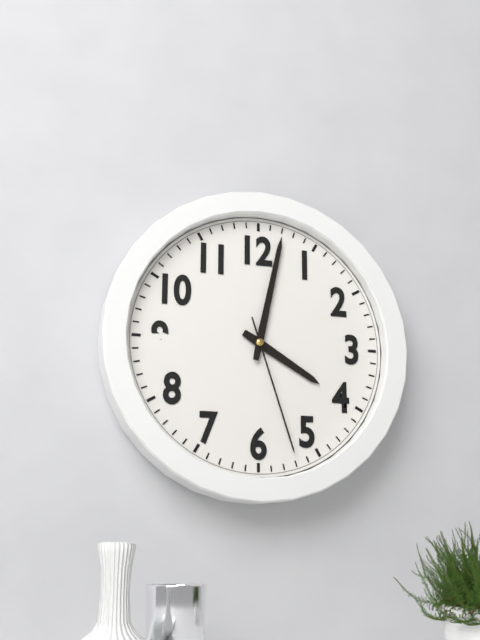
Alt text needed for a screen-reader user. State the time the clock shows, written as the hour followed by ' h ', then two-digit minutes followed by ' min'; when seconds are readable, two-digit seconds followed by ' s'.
4 h 02 min 27 s
